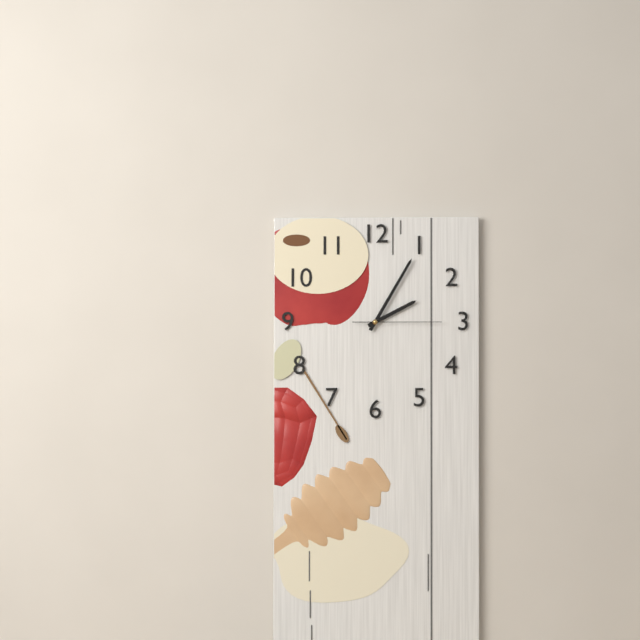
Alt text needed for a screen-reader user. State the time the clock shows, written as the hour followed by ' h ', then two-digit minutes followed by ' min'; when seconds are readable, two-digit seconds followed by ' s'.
2 h 05 min 15 s
